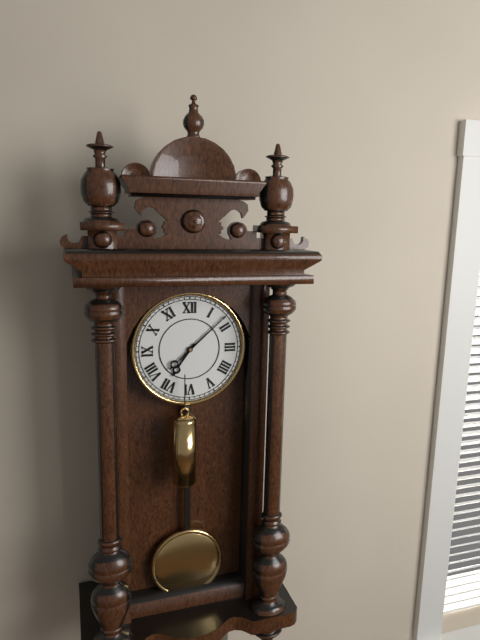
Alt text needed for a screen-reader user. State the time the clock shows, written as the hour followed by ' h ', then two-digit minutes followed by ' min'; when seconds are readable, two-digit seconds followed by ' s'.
7 h 08 min
